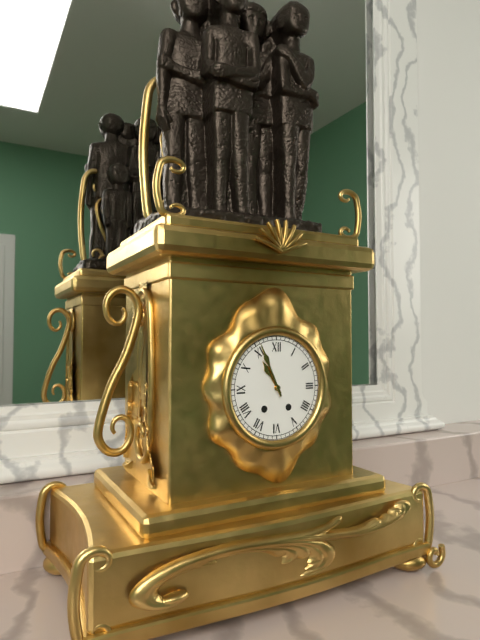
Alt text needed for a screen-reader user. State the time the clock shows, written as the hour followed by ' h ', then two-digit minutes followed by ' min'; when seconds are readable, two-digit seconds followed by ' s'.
10 h 56 min
